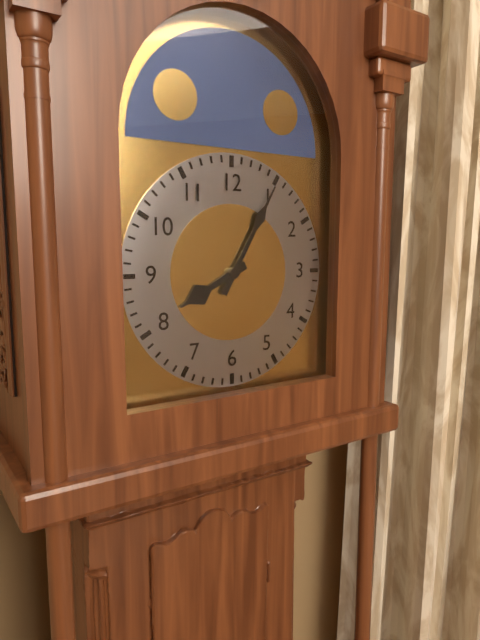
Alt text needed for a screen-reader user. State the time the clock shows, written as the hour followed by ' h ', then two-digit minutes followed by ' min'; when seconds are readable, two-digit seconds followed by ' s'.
8 h 05 min
